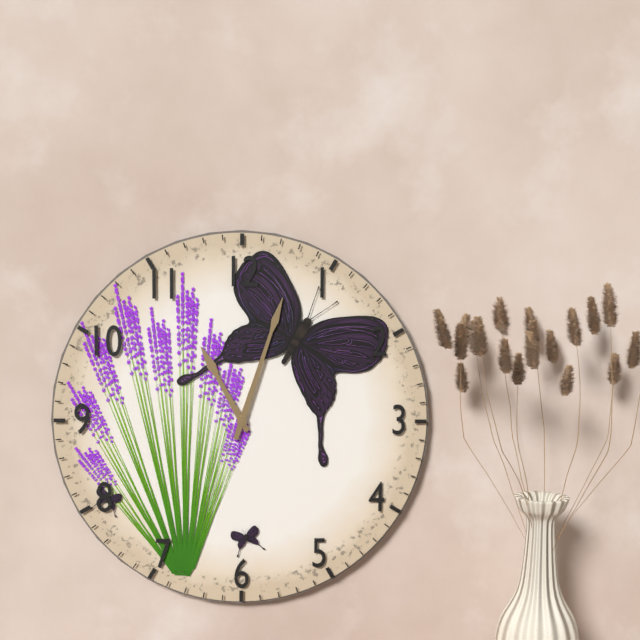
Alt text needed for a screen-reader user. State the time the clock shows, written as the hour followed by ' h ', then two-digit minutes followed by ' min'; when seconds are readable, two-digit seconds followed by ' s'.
11 h 03 min
